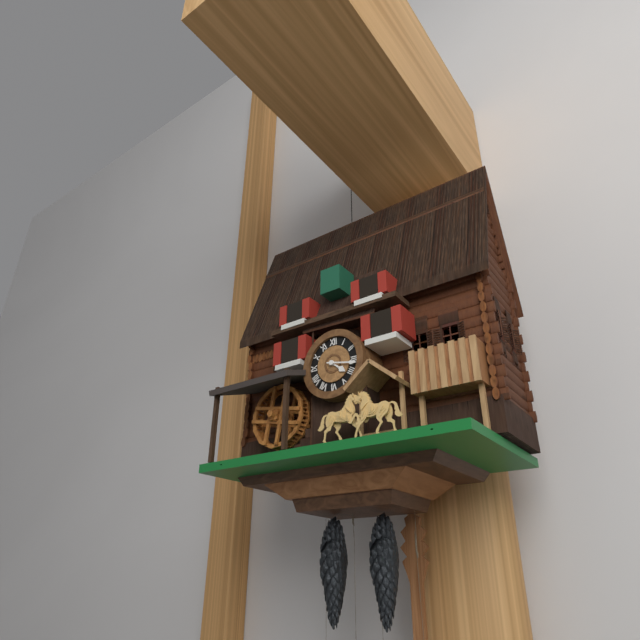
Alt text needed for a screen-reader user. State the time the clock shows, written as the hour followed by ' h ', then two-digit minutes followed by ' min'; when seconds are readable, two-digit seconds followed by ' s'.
4 h 17 min
